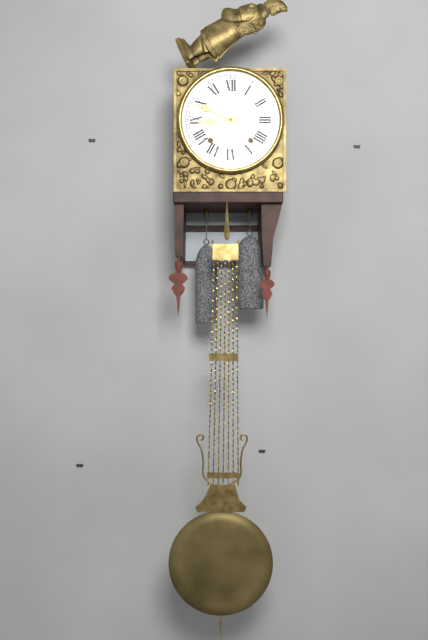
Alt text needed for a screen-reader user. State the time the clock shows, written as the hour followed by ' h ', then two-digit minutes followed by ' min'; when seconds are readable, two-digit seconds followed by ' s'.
8 h 49 min
